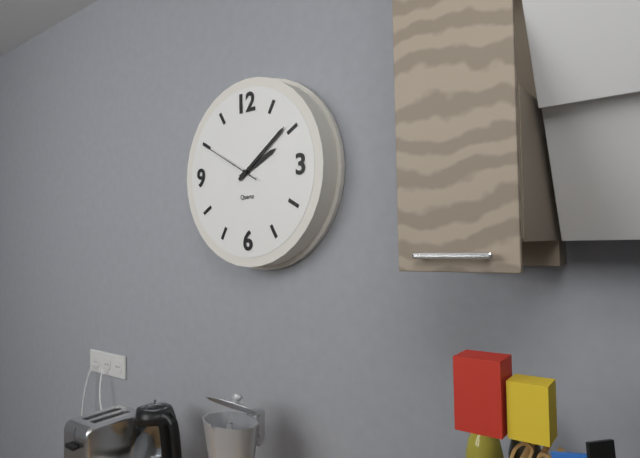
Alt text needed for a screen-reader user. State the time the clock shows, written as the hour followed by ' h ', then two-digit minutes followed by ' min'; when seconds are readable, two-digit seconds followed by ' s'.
2 h 09 min 50 s
